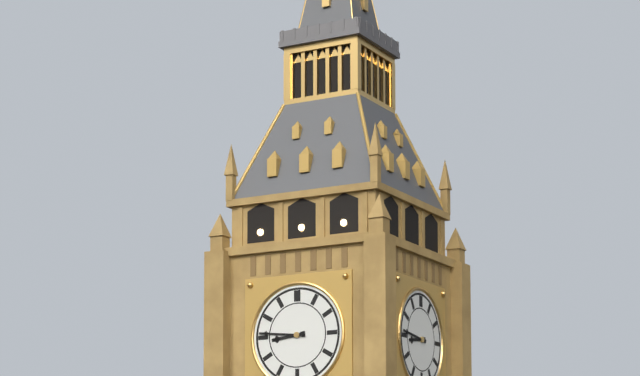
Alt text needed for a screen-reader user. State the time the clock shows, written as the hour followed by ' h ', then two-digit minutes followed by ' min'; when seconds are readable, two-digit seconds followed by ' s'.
8 h 46 min
